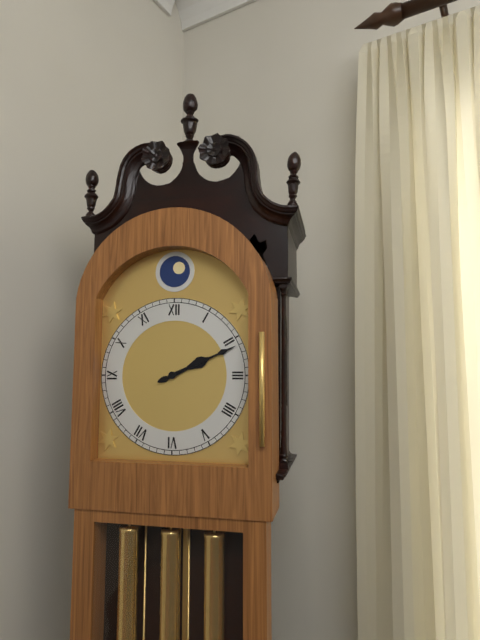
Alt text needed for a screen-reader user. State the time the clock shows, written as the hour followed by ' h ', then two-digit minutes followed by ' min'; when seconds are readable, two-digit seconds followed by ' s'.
2 h 11 min
